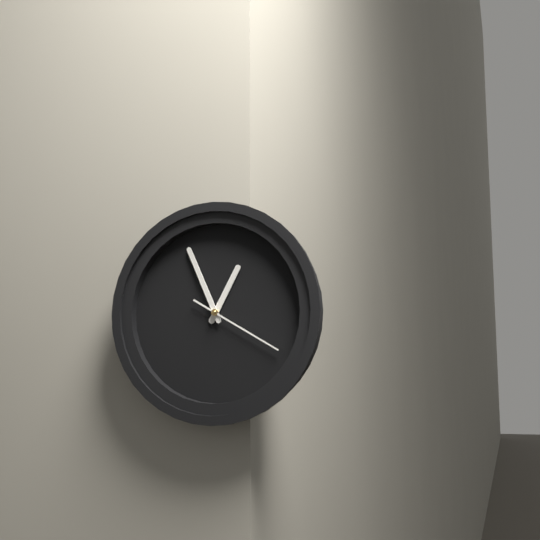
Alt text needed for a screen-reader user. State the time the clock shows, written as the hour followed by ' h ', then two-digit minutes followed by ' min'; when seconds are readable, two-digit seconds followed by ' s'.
12 h 56 min 20 s
